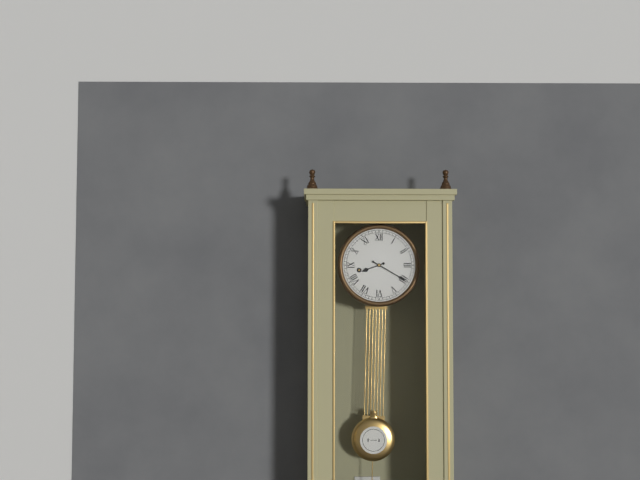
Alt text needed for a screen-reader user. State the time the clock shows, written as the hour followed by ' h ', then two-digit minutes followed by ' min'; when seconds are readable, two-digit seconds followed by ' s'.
8 h 20 min
